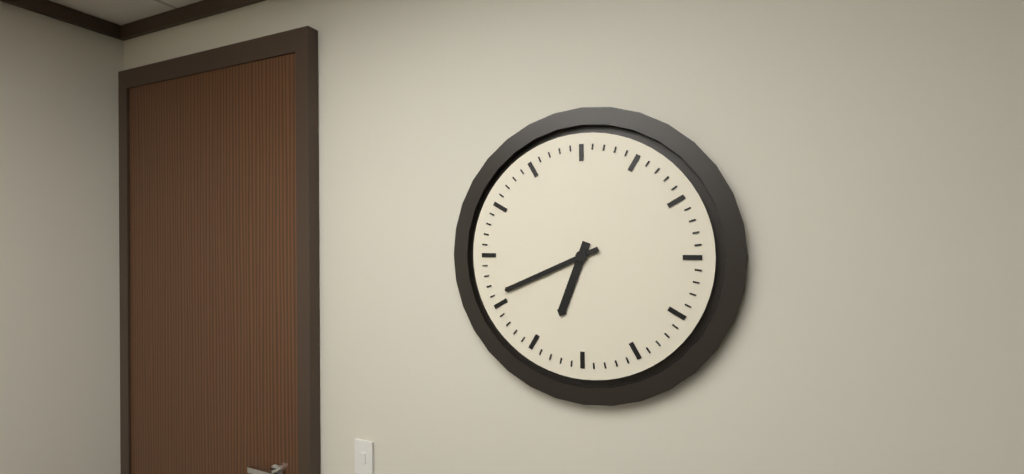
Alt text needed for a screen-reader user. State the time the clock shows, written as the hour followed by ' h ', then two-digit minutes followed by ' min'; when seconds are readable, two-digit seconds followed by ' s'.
6 h 41 min
